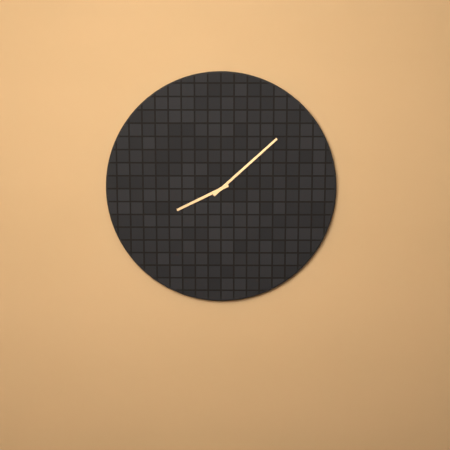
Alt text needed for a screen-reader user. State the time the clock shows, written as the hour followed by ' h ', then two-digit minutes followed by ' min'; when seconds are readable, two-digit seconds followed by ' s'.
8 h 08 min
